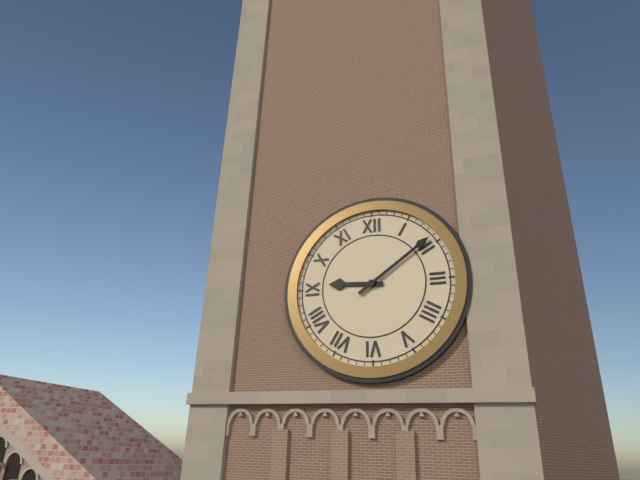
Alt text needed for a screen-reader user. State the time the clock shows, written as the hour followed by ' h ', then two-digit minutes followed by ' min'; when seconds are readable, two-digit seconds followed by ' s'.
9 h 09 min
